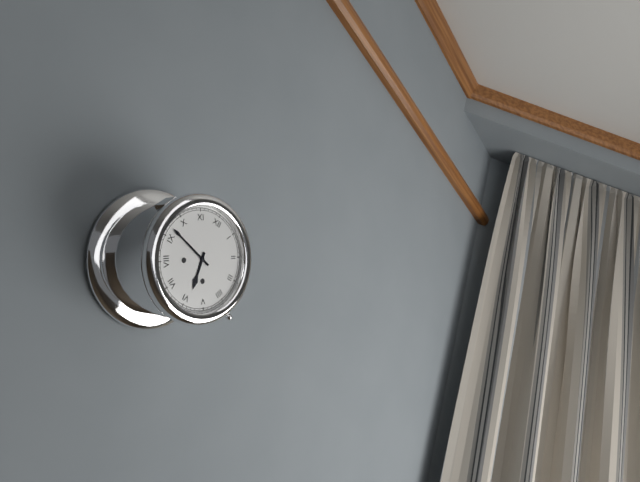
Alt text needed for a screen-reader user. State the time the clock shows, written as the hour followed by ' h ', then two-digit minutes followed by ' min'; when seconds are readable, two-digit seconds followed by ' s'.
5 h 47 min
